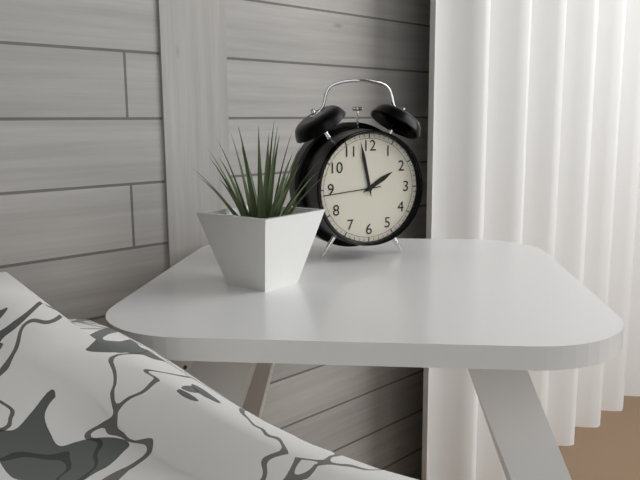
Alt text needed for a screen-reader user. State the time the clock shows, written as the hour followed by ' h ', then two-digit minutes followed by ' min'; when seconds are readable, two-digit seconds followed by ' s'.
1 h 58 min 44 s
